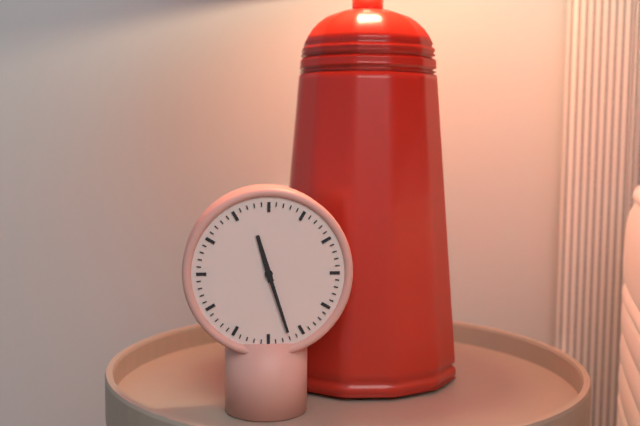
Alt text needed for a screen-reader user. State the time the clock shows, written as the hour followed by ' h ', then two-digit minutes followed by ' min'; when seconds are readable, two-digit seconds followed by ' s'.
11 h 27 min
